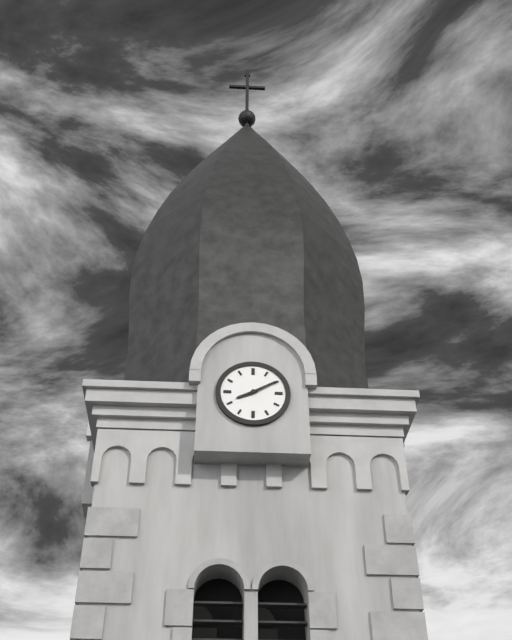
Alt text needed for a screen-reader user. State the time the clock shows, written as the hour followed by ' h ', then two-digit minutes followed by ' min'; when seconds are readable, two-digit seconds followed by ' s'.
8 h 10 min
